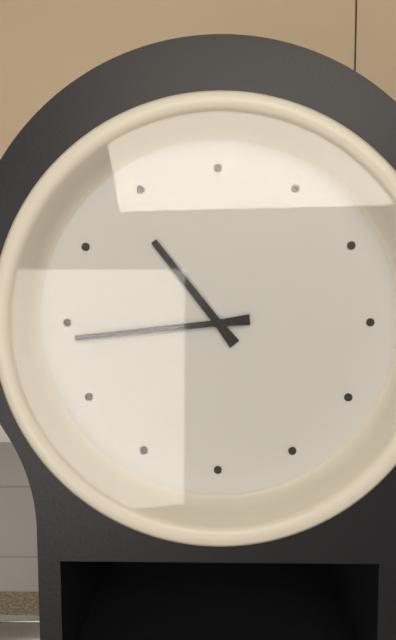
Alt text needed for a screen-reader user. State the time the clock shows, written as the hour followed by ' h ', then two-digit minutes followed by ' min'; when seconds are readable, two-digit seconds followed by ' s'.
10 h 44 min
